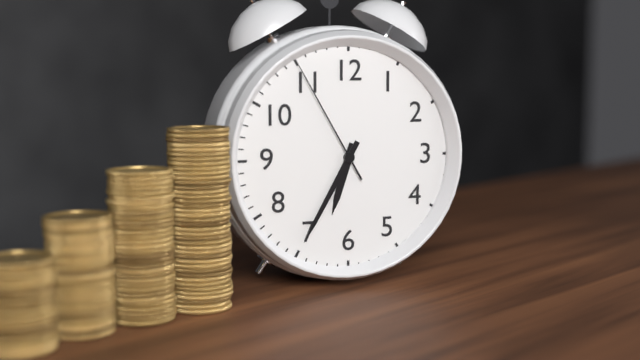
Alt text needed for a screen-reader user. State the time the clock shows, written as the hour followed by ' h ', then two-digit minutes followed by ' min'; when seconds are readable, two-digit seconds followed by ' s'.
6 h 35 min 55 s
